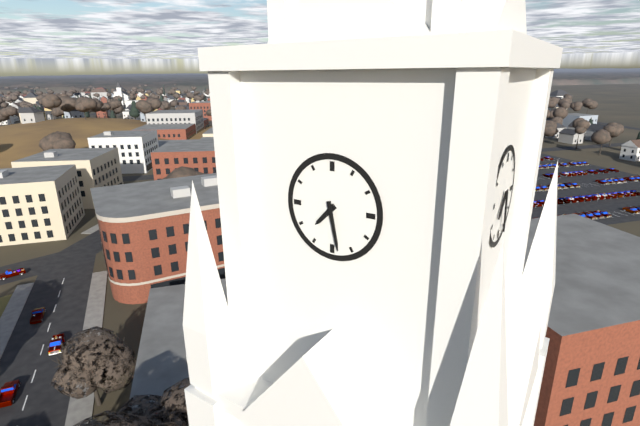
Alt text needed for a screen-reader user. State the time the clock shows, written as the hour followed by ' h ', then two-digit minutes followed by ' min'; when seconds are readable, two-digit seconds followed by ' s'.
7 h 28 min
